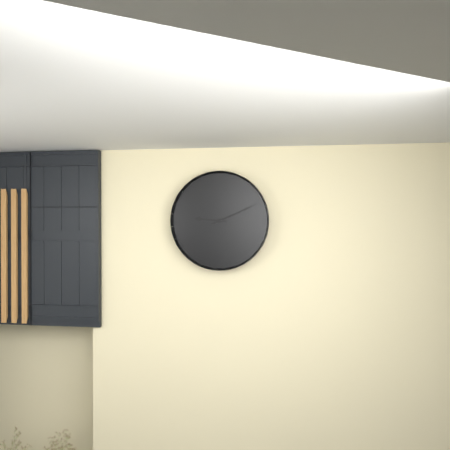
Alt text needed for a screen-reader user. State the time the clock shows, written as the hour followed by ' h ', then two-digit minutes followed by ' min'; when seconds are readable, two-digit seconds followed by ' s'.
9 h 11 min
